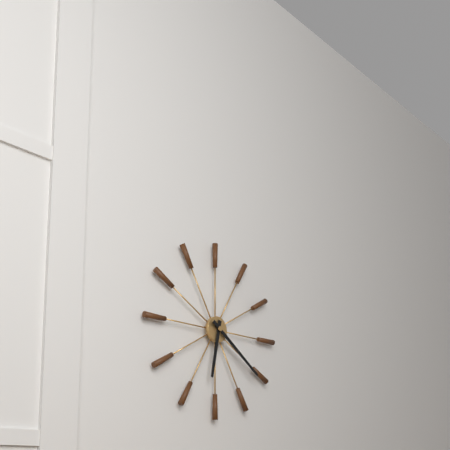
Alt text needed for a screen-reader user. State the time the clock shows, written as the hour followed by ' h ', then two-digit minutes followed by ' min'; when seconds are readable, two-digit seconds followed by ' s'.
6 h 21 min
